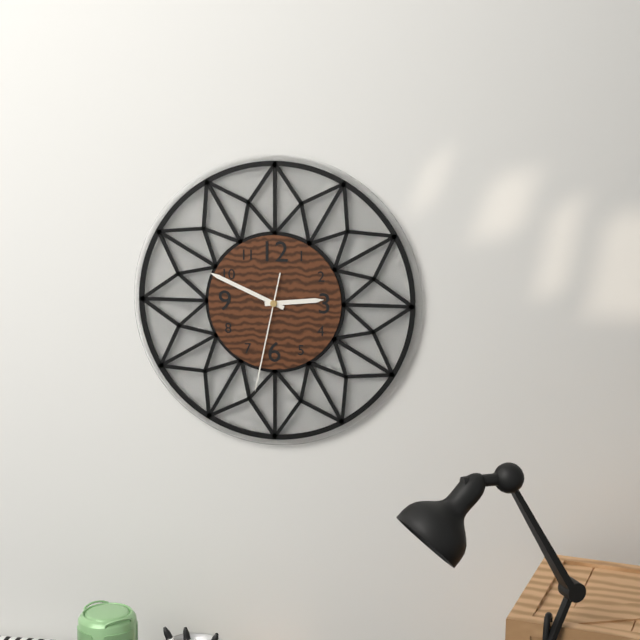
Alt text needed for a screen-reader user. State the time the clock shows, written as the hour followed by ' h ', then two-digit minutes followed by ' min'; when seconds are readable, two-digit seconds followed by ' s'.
2 h 49 min 32 s
